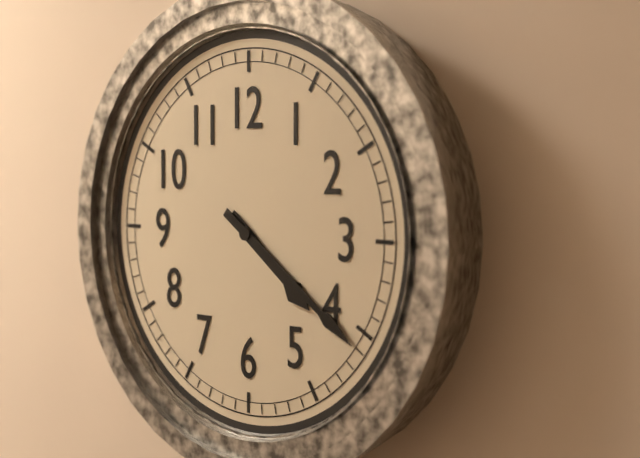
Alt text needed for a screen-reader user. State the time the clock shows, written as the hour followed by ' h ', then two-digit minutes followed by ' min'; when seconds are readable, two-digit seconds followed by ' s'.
4 h 21 min
